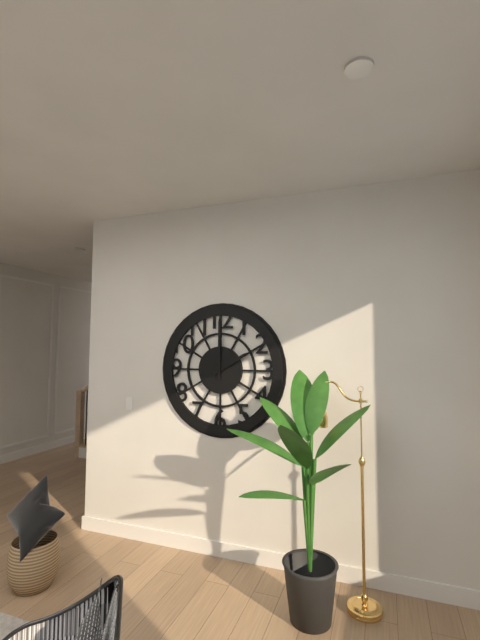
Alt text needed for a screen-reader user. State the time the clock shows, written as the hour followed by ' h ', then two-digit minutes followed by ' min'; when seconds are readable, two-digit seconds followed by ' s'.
2 h 00 min
